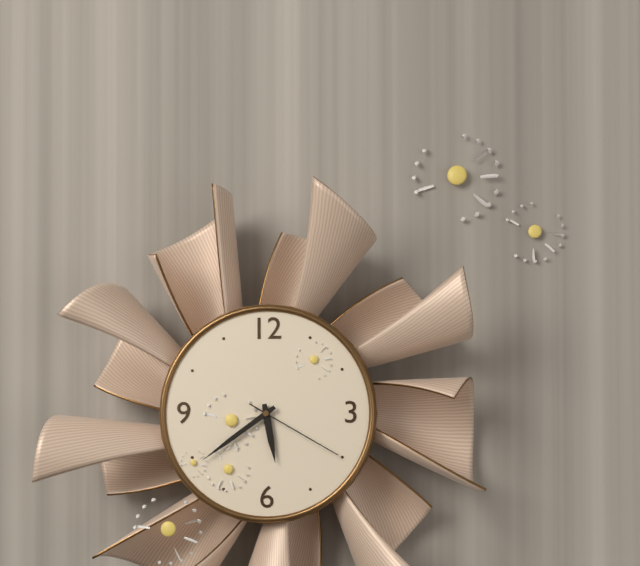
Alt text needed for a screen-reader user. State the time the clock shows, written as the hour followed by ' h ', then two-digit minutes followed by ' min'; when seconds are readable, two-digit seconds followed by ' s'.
5 h 39 min 20 s
